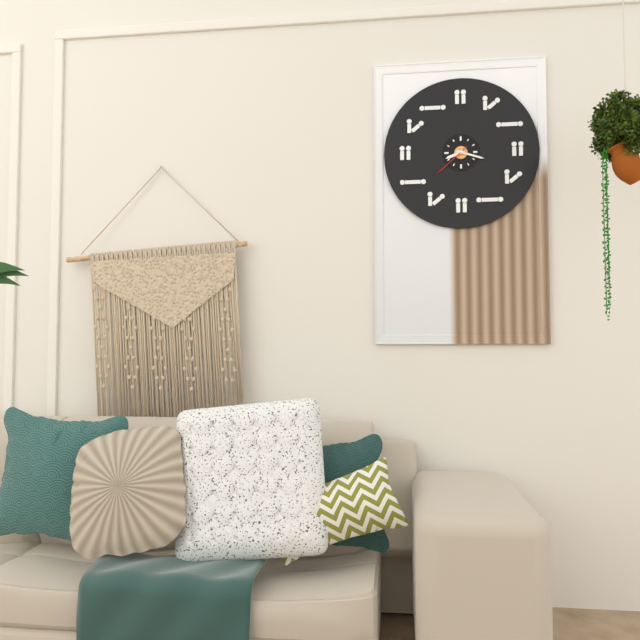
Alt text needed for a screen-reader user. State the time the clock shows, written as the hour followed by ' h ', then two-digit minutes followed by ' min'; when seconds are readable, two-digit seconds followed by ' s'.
8 h 18 min
